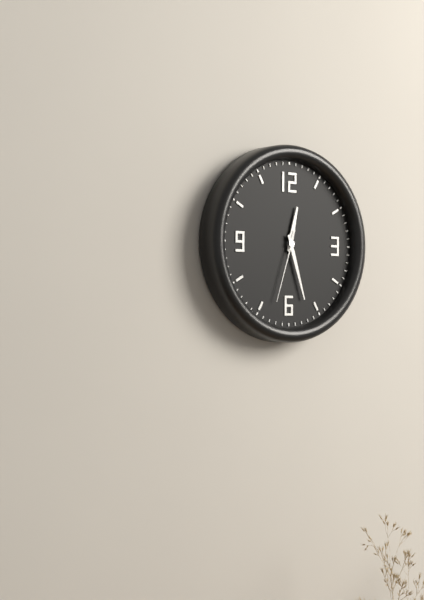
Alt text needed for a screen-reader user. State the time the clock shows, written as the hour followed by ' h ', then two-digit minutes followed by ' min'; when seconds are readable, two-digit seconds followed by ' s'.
12 h 27 min 33 s
